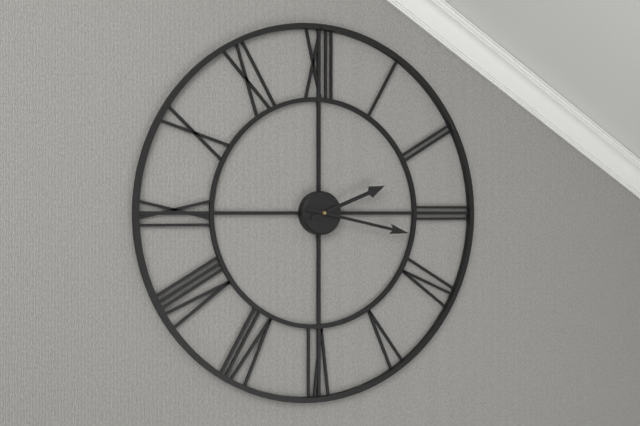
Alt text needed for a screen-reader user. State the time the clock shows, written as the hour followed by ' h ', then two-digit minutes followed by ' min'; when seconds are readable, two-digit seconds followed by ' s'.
2 h 17 min
